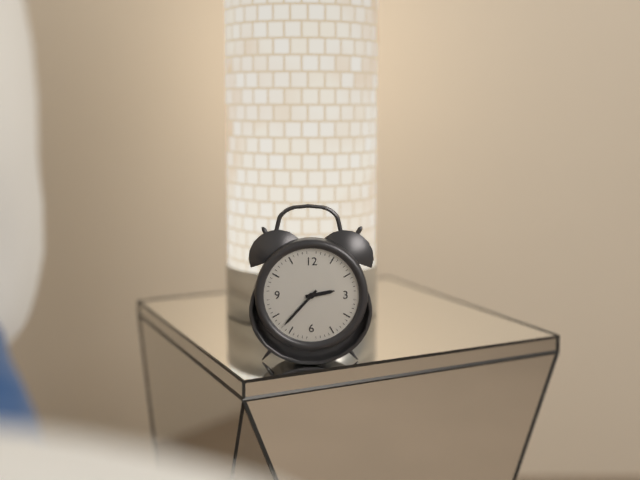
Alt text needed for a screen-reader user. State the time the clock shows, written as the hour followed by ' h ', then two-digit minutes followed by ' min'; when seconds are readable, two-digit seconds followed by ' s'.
2 h 37 min
